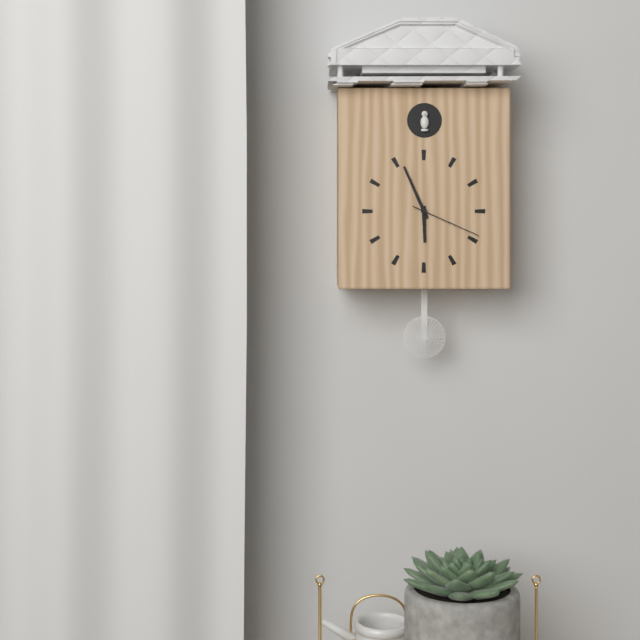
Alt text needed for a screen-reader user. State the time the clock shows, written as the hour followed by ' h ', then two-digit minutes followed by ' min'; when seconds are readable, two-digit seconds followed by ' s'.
5 h 56 min 19 s
